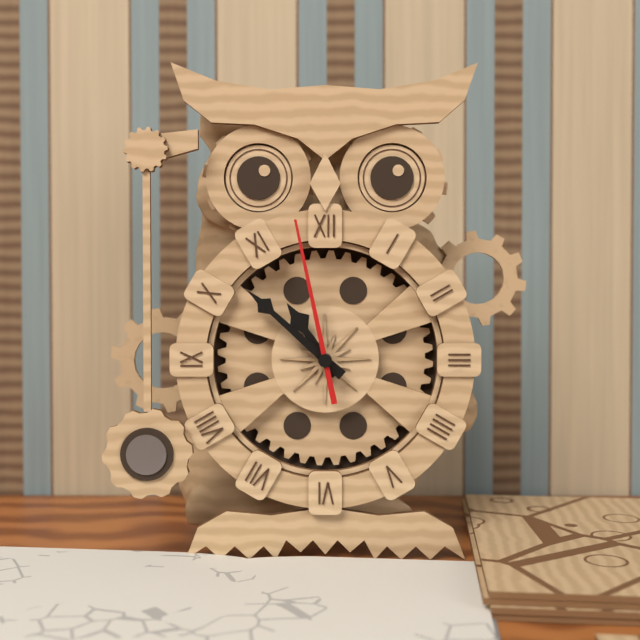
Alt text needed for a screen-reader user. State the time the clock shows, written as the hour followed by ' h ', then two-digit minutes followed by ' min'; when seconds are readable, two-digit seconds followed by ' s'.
10 h 52 min 58 s
